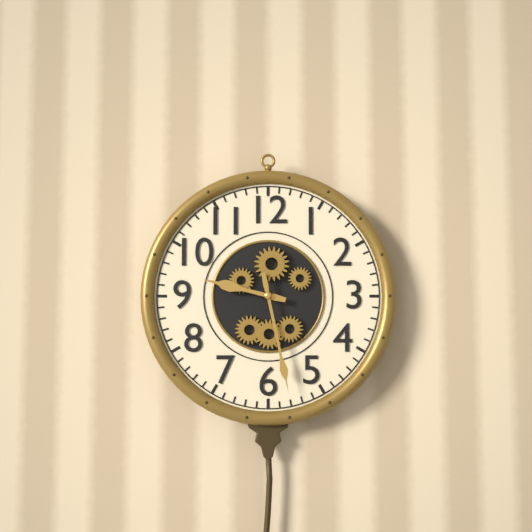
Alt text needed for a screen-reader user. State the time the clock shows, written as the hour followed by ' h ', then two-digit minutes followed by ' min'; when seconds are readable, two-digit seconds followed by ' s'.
9 h 28 min
